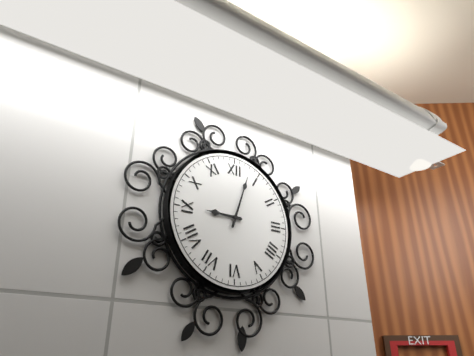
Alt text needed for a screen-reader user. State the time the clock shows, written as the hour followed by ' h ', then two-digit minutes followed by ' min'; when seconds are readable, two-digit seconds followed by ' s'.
9 h 03 min
